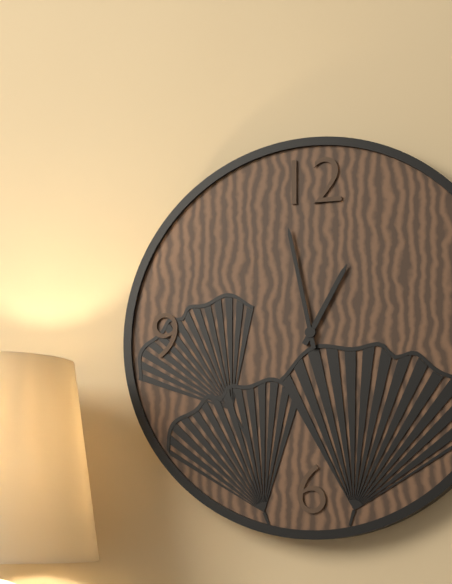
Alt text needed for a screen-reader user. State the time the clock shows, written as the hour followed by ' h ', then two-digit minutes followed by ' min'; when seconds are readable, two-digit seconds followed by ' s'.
12 h 58 min
